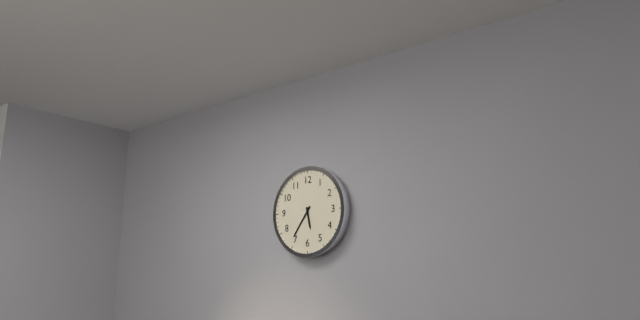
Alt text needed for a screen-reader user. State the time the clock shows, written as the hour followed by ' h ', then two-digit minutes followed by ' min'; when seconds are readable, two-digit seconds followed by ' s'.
5 h 36 min
